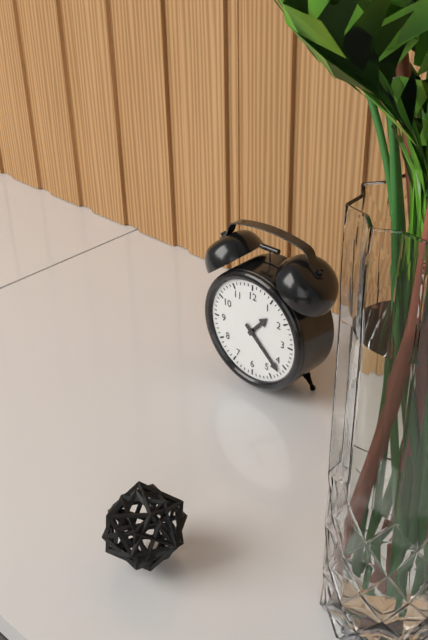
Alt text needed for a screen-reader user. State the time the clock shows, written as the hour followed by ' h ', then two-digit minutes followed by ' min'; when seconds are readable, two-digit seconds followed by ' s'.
1 h 22 min
